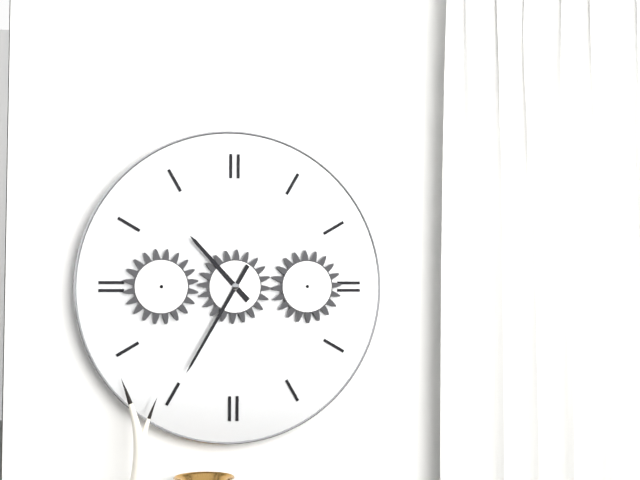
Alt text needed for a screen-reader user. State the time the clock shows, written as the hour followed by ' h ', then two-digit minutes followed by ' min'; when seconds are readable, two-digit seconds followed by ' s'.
10 h 35 min
